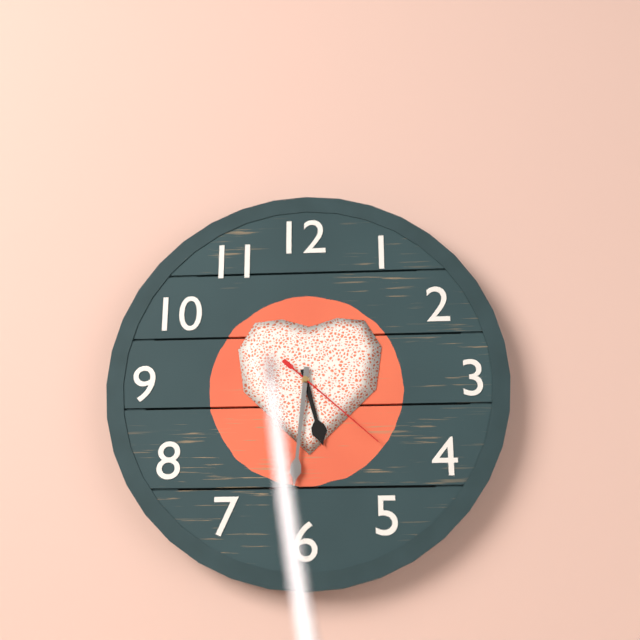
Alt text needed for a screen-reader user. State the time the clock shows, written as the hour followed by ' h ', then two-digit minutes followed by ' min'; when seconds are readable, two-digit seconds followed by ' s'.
5 h 31 min 22 s
